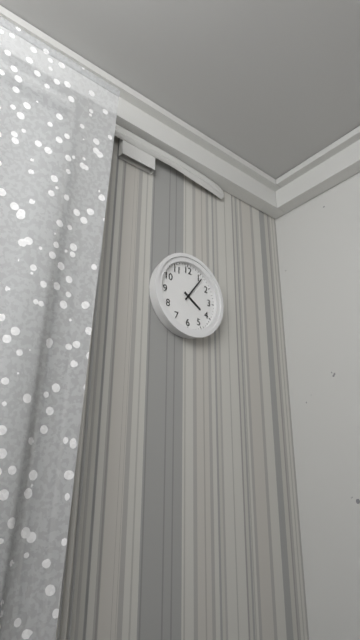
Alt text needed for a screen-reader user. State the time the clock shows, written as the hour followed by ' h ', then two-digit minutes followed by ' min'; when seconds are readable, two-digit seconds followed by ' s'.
4 h 06 min
